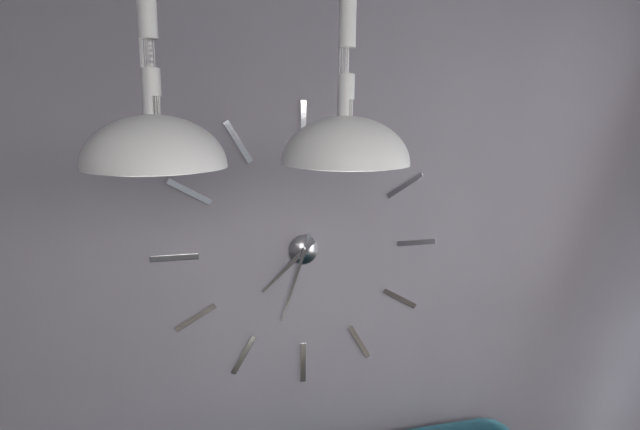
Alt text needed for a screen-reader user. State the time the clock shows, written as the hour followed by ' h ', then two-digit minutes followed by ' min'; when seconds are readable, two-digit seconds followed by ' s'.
7 h 33 min
